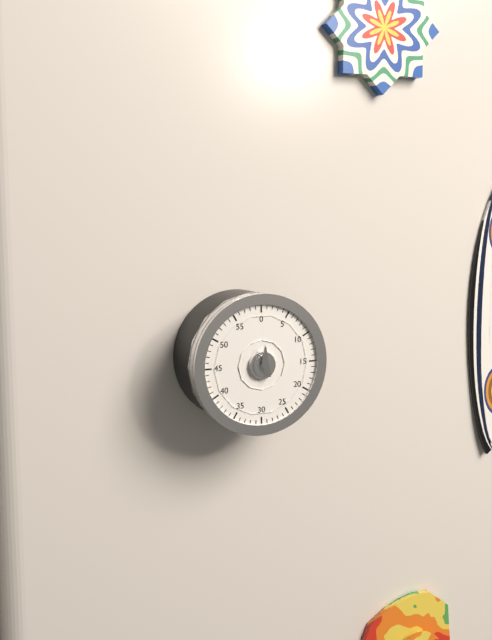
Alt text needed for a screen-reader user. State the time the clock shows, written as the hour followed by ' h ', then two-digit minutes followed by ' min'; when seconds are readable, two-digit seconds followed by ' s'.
5 h 00 min
